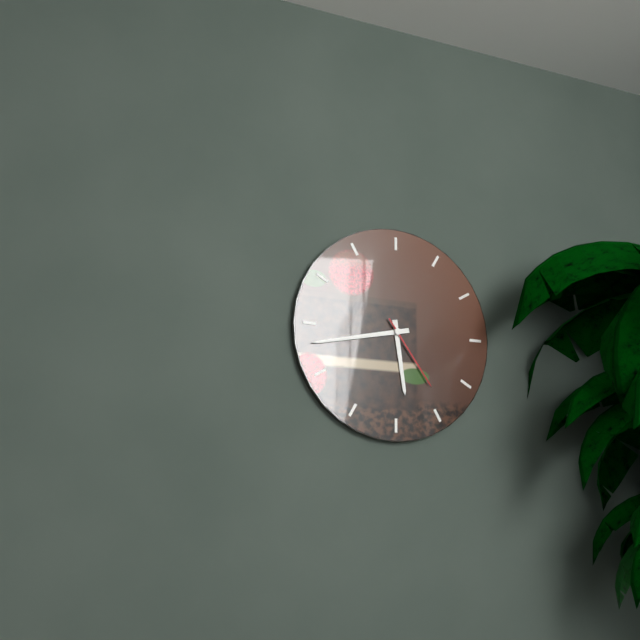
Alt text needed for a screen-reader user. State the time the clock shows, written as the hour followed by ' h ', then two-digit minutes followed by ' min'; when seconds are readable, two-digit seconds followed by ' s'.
5 h 43 min 24 s
